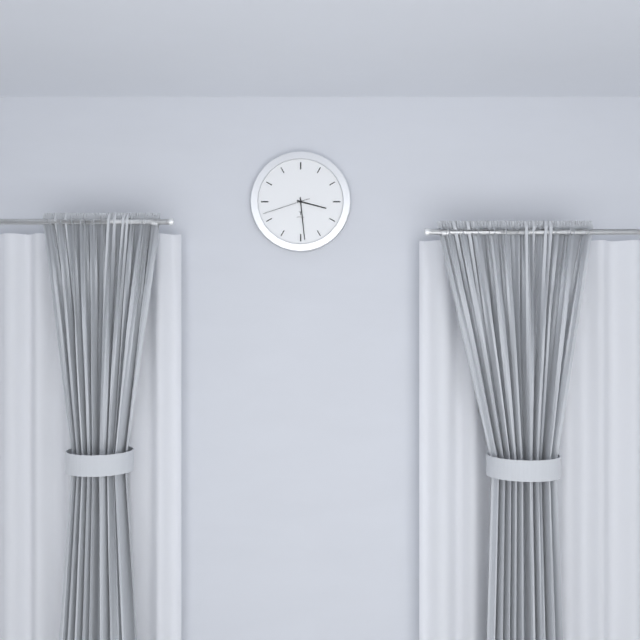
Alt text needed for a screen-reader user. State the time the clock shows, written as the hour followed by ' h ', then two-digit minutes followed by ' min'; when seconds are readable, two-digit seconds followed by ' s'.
3 h 29 min
